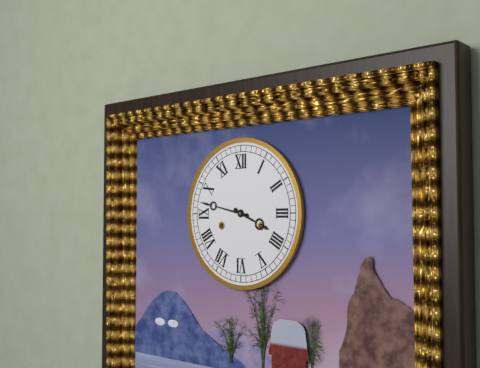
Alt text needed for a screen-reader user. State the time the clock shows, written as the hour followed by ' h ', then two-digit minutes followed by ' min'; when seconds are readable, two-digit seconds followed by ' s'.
3 h 47 min
